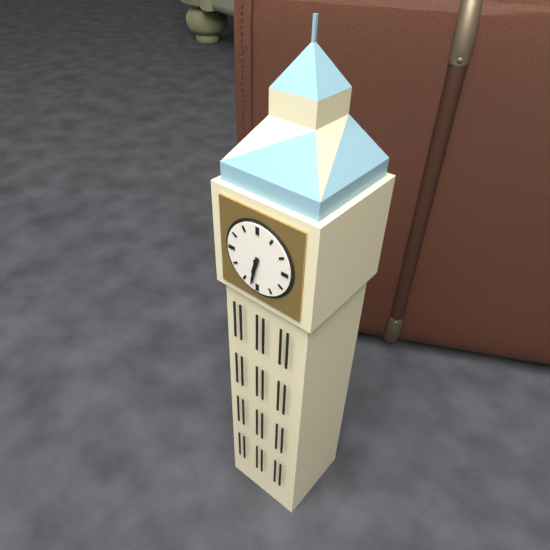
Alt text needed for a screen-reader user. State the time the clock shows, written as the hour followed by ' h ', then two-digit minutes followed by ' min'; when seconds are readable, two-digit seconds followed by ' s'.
6 h 32 min
